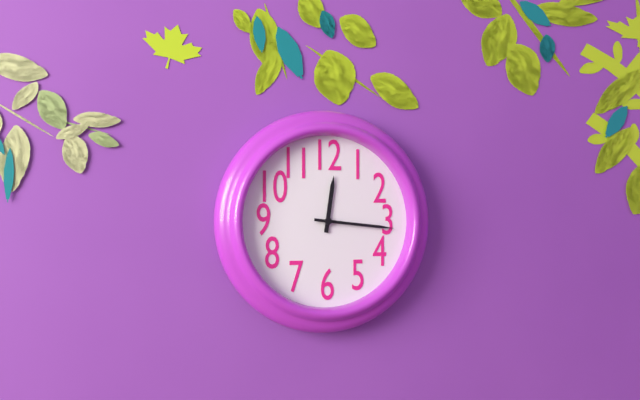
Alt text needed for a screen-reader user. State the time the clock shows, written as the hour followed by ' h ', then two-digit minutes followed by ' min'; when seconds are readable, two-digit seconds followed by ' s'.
12 h 16 min
